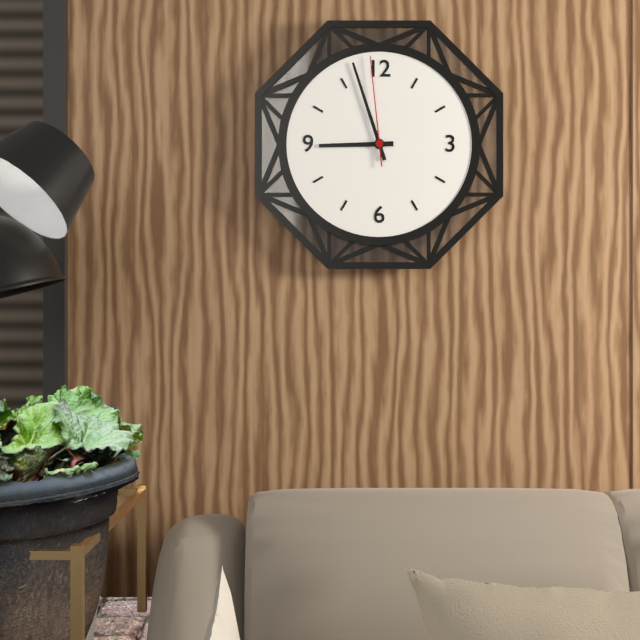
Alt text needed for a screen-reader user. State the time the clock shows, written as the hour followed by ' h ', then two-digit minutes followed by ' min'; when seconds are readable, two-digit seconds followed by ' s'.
8 h 57 min 59 s
